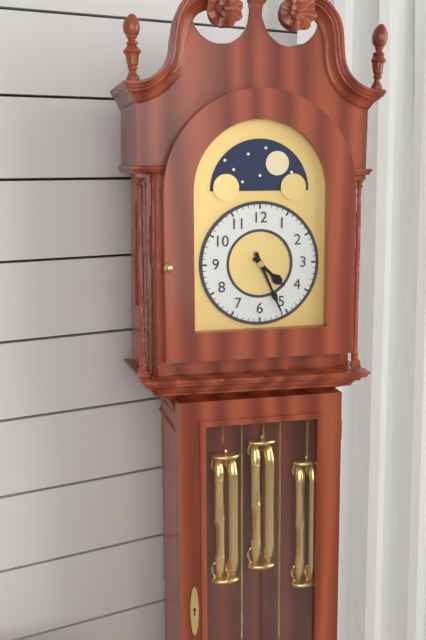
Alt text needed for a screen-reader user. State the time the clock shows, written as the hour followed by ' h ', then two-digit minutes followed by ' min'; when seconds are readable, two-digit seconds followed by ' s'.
4 h 26 min
